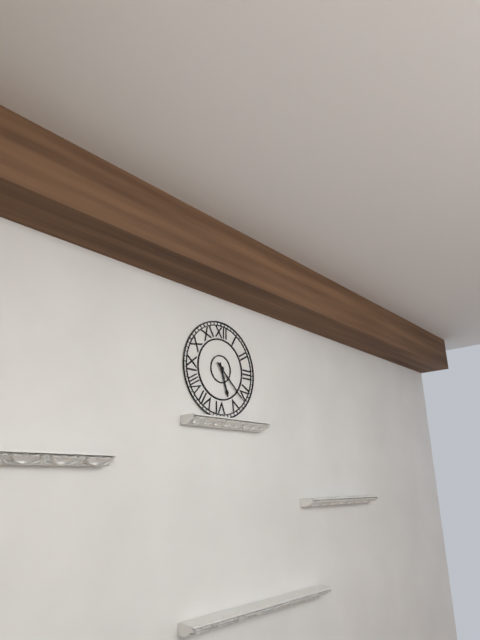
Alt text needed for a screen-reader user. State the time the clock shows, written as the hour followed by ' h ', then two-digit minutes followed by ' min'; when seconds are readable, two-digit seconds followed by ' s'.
5 h 22 min
